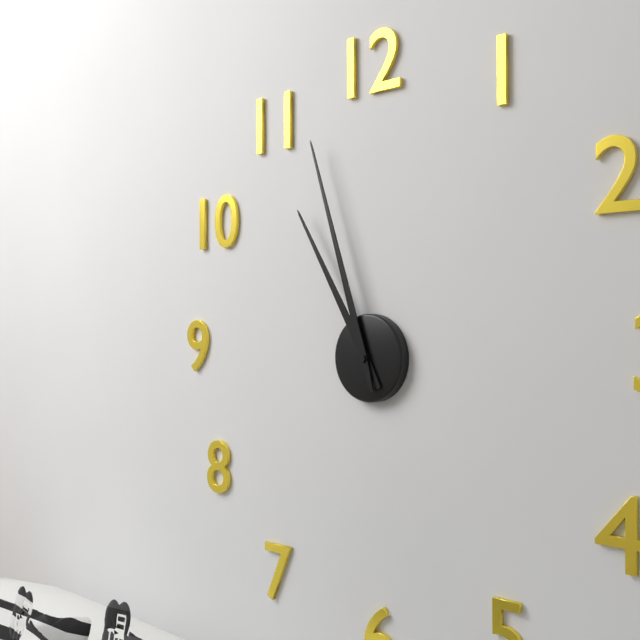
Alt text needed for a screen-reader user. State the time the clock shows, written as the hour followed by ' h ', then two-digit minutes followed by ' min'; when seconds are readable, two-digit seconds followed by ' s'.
10 h 57 min
